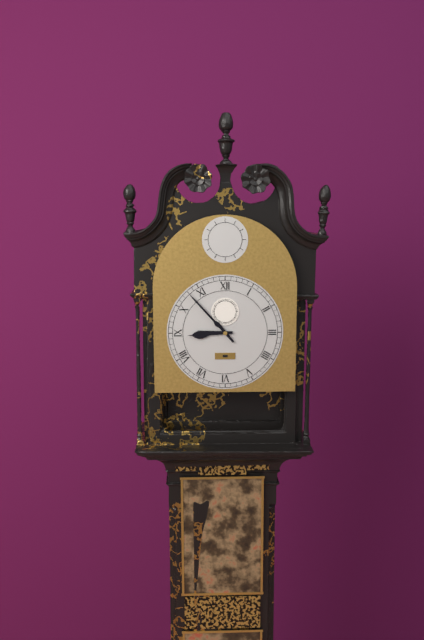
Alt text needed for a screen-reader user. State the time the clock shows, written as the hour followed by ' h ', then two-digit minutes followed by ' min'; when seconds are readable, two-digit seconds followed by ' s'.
8 h 53 min
